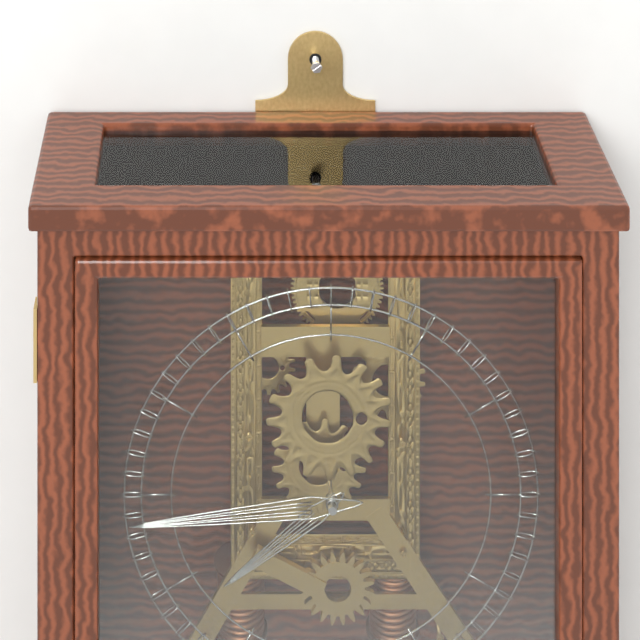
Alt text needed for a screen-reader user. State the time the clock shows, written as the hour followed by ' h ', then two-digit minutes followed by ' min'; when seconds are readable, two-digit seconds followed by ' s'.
7 h 44 min
